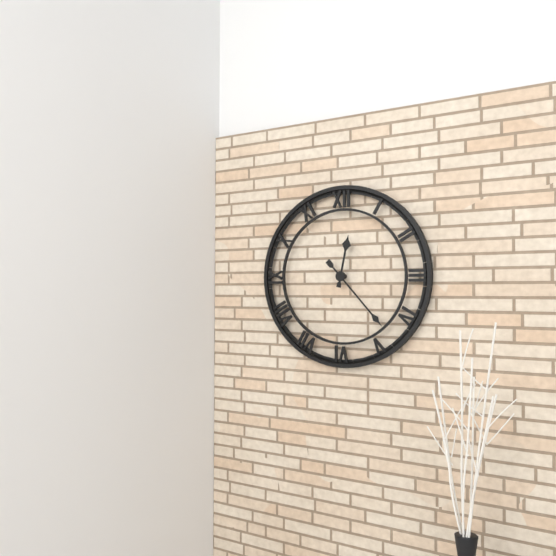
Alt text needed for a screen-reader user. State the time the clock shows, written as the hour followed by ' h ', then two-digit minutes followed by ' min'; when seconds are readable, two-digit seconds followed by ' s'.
12 h 23 min
